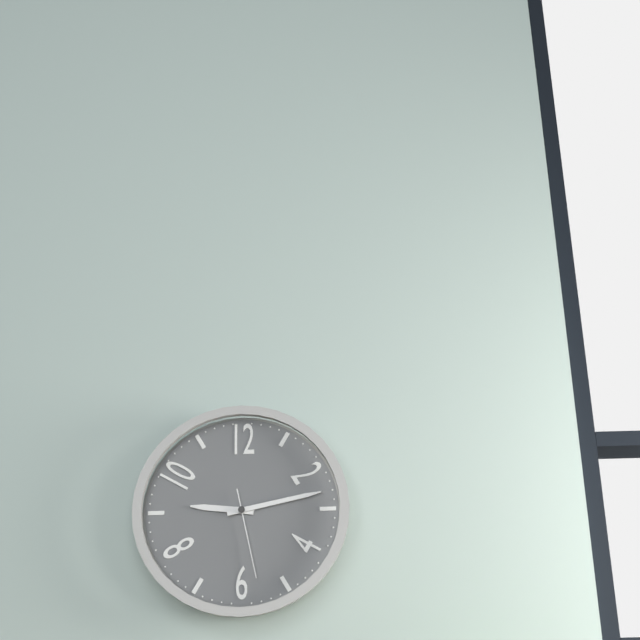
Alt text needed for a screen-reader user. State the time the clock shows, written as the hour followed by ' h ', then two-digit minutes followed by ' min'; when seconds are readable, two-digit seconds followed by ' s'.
9 h 13 min 28 s
